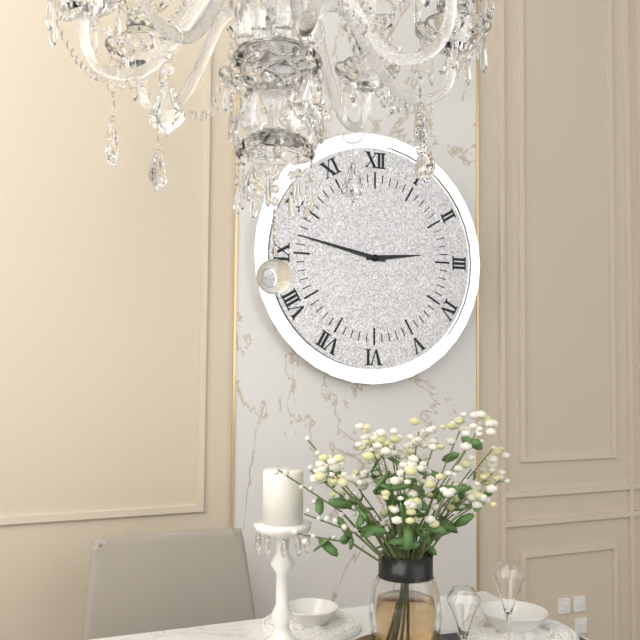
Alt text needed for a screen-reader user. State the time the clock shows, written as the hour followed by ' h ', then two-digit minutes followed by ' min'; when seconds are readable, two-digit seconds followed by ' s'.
2 h 47 min
